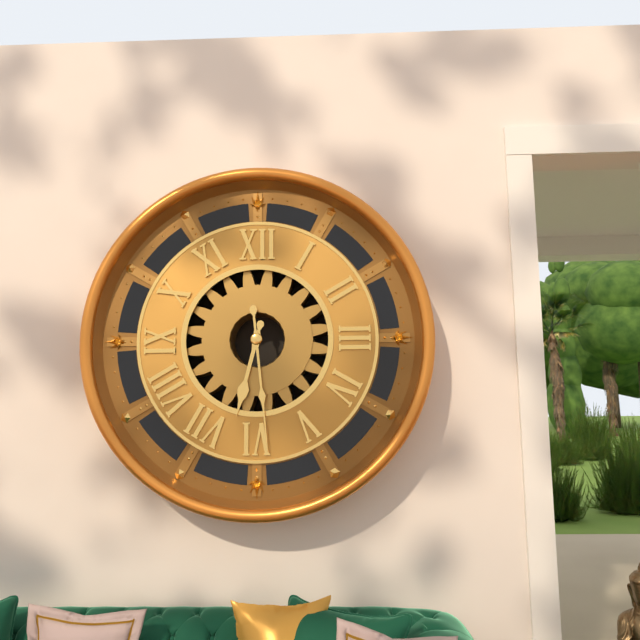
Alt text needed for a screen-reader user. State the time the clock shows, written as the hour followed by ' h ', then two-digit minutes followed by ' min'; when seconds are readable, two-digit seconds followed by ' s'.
6 h 29 min
